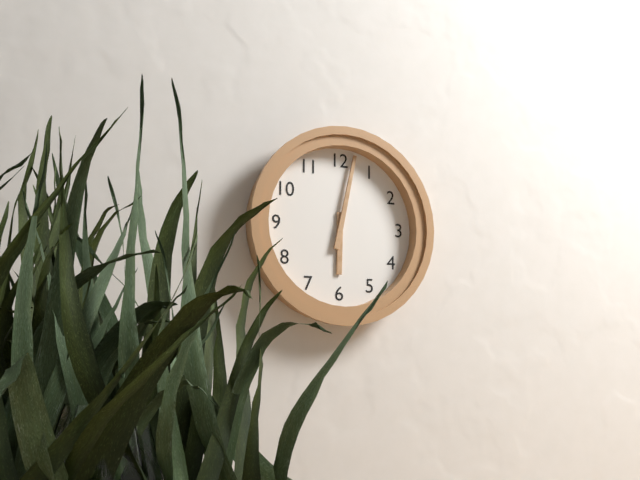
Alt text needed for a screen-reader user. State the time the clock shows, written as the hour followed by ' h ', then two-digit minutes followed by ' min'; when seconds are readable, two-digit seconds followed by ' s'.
6 h 02 min
